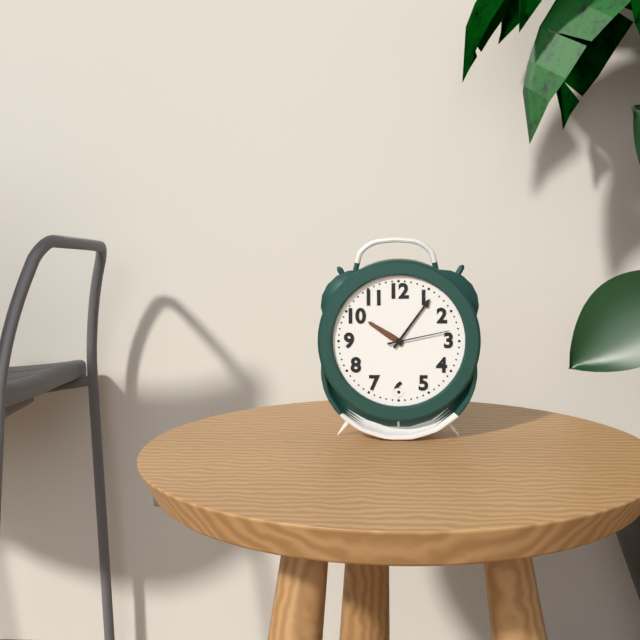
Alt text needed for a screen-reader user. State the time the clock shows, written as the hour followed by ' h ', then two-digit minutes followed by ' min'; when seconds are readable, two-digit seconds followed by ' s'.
10 h 06 min 13 s
